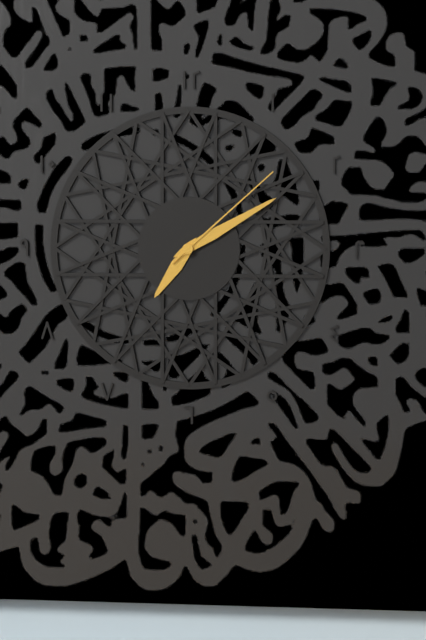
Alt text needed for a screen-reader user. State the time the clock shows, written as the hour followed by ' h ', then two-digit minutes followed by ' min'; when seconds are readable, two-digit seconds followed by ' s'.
7 h 10 min 08 s
